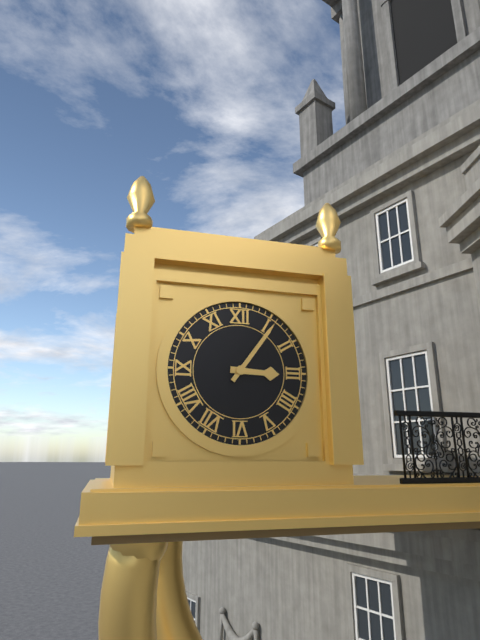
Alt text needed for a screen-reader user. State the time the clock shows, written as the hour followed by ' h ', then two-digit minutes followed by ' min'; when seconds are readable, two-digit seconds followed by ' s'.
3 h 06 min
